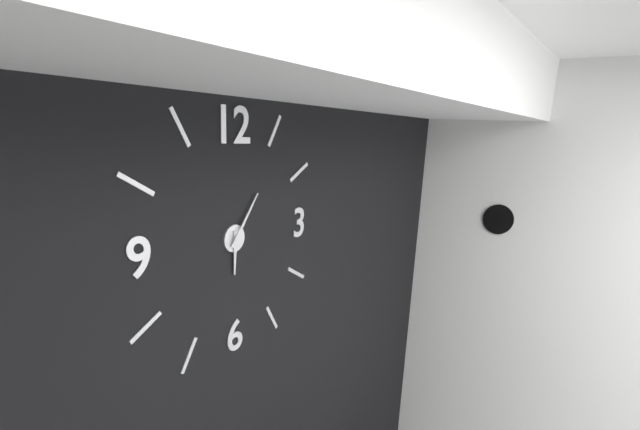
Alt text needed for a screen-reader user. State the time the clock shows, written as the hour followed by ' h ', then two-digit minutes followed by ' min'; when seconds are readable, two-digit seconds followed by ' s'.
6 h 06 min
